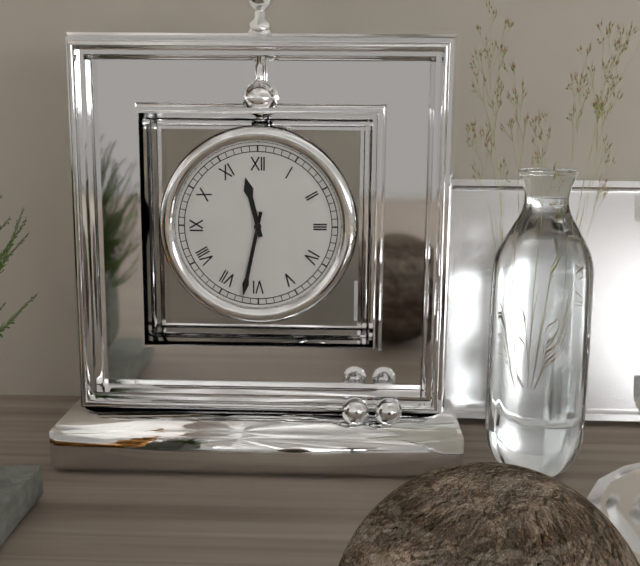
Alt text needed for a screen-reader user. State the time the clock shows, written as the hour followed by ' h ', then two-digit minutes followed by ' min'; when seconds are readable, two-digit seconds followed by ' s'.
11 h 32 min
